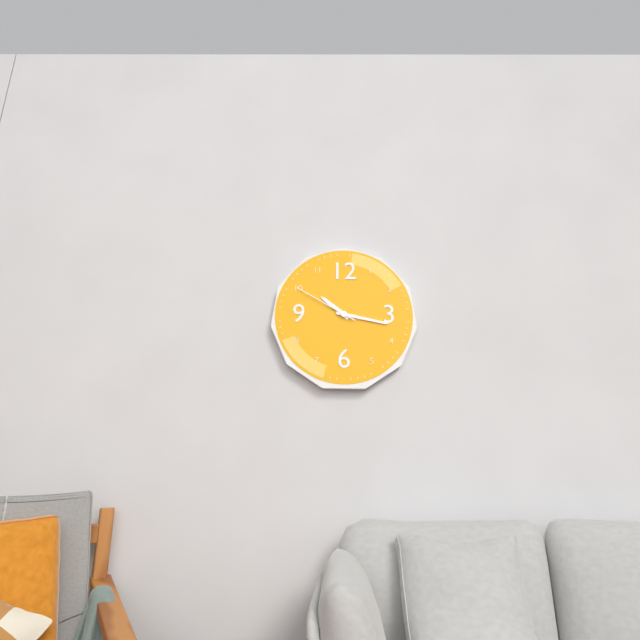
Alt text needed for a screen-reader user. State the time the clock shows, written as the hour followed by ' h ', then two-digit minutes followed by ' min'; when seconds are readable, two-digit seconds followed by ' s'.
10 h 17 min 50 s
